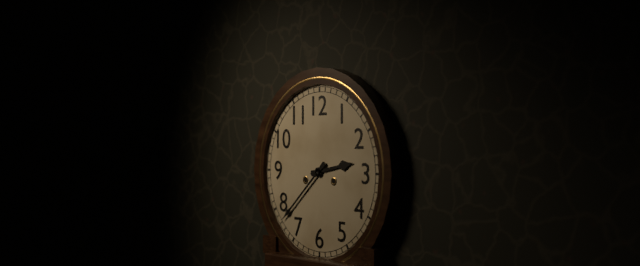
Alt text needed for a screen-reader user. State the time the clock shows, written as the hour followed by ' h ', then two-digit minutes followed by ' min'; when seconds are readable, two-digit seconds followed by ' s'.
2 h 38 min
